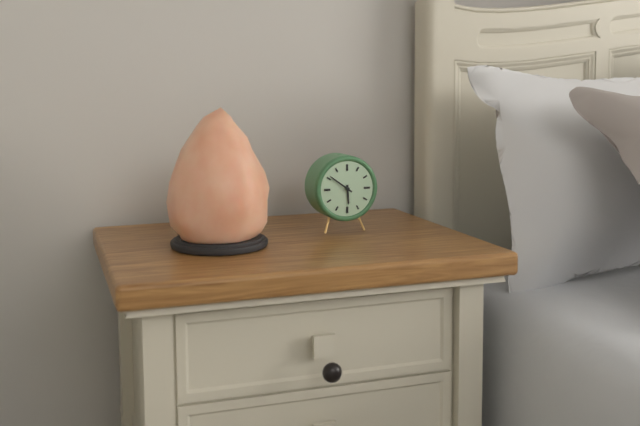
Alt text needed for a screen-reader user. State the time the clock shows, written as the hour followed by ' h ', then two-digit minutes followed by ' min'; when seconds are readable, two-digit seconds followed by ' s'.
5 h 51 min
